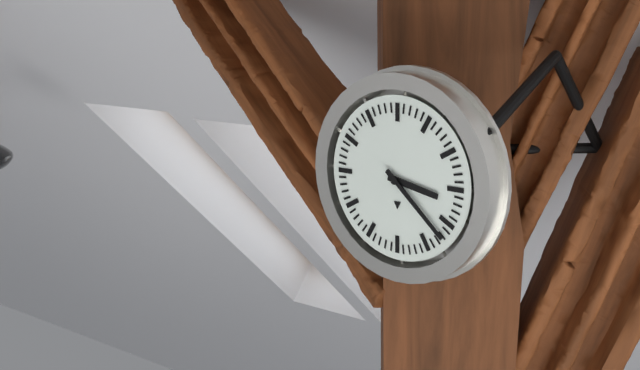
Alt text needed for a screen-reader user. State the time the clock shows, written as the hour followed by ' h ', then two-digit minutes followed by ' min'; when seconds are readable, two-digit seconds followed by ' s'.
3 h 22 min
